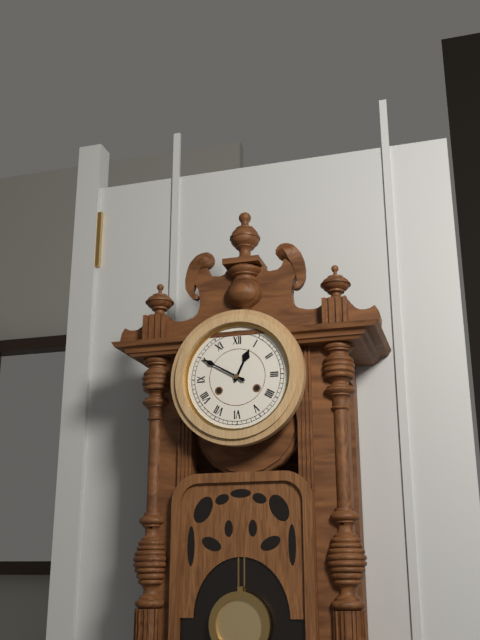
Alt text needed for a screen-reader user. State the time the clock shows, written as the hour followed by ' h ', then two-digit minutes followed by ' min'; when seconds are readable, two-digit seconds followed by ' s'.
12 h 50 min
